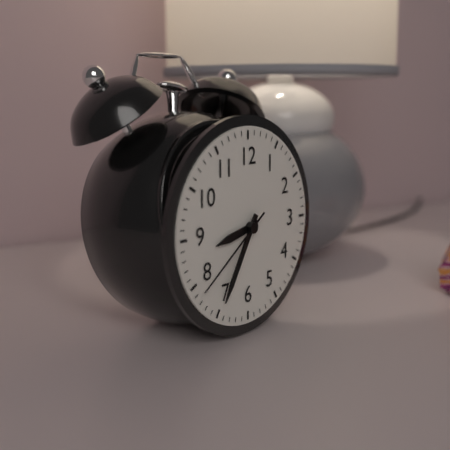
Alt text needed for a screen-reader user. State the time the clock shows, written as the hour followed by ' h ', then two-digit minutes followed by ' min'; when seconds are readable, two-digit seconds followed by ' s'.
8 h 35 min 39 s
